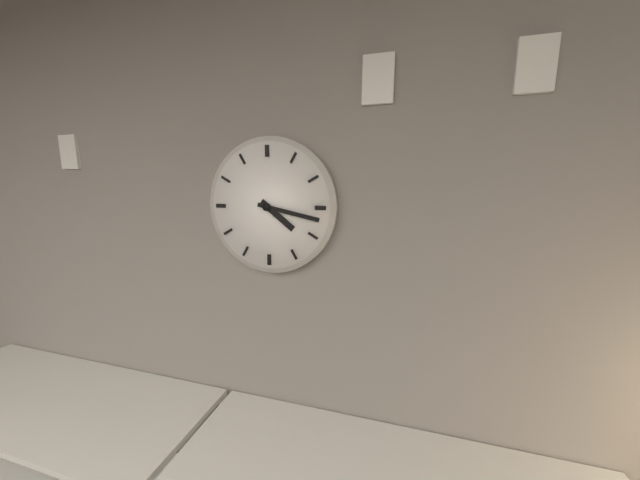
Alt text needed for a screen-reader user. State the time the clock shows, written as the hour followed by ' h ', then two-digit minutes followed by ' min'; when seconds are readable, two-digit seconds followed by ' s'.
4 h 17 min
